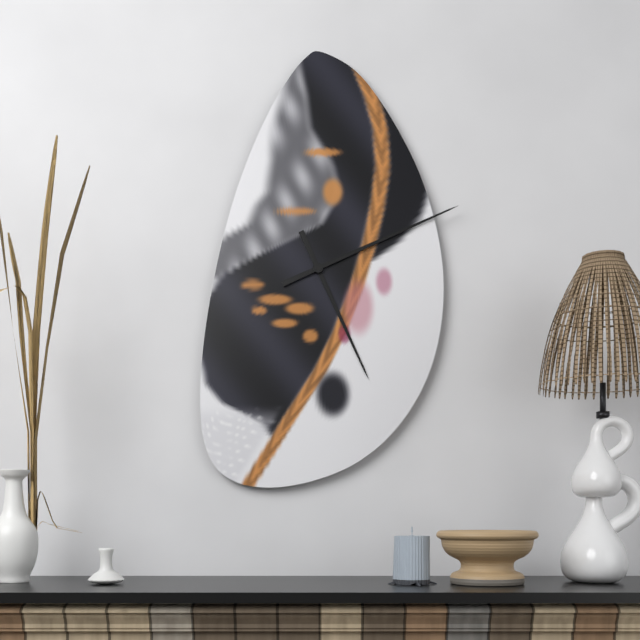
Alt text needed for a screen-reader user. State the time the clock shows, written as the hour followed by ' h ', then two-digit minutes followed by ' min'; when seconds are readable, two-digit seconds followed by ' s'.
5 h 11 min
